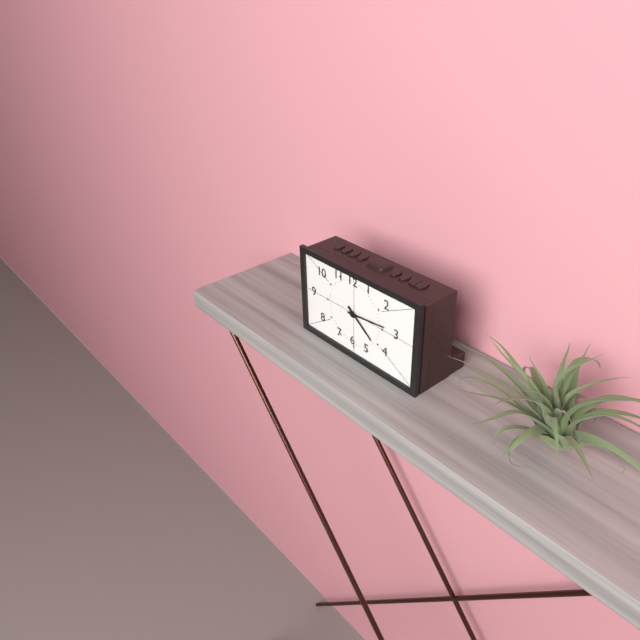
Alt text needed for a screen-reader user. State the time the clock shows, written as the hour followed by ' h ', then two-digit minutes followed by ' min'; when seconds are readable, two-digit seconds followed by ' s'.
4 h 14 min
